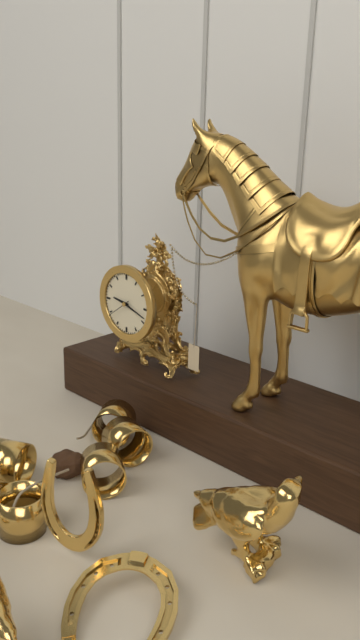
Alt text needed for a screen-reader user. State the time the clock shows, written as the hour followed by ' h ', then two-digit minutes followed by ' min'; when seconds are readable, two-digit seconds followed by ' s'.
9 h 18 min
